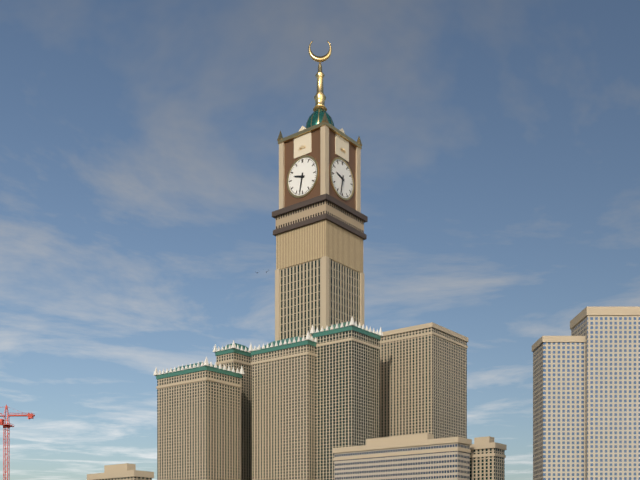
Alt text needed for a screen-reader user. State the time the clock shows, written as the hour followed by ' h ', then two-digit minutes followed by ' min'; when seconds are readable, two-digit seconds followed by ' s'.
9 h 32 min
